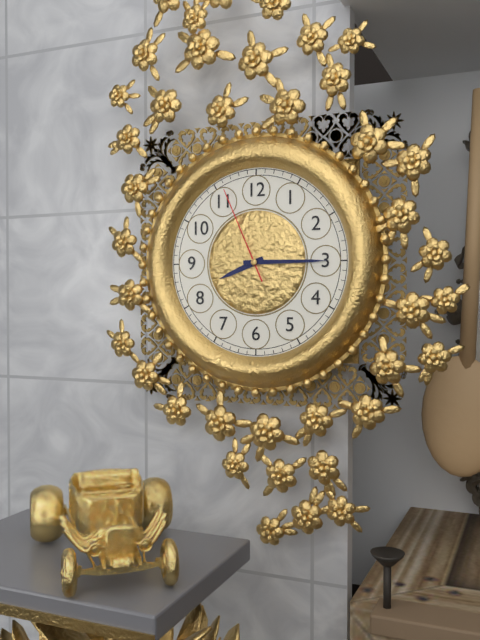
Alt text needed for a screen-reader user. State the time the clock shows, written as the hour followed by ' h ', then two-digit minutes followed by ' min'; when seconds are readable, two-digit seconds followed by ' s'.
8 h 15 min 56 s
